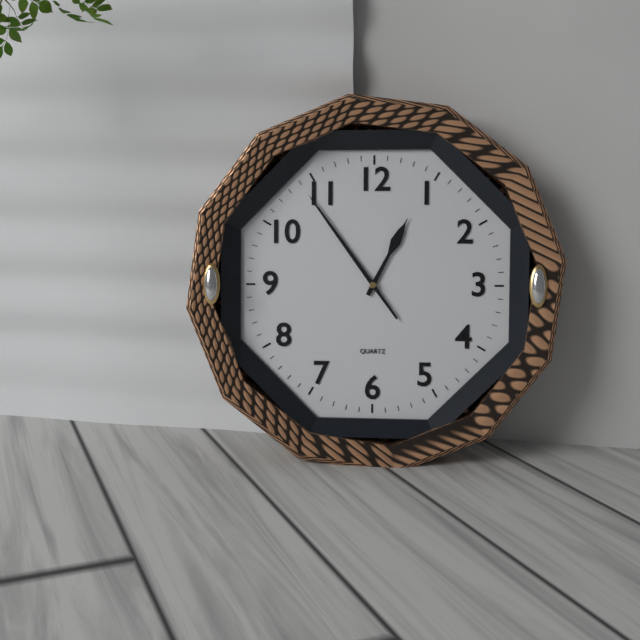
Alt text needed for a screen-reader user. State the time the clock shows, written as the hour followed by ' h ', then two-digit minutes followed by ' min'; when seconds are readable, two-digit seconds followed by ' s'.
12 h 54 min
